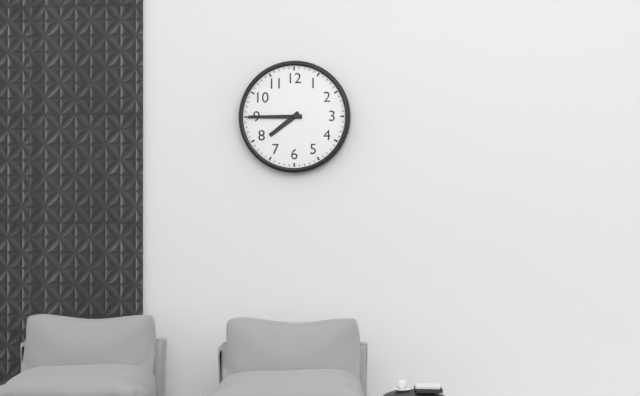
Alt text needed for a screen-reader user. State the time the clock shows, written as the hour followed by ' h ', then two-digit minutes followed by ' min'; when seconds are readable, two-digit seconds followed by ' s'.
7 h 45 min
